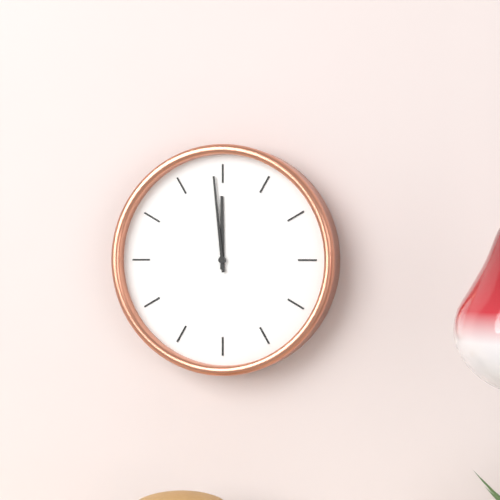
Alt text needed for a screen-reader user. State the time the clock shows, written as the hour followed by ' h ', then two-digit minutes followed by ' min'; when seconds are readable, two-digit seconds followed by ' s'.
11 h 59 min
